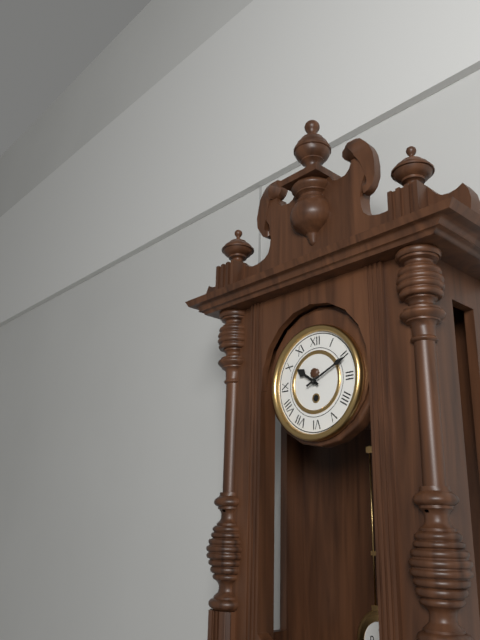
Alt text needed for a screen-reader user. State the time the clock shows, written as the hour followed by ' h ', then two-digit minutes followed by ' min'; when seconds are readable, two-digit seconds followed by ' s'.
10 h 11 min
